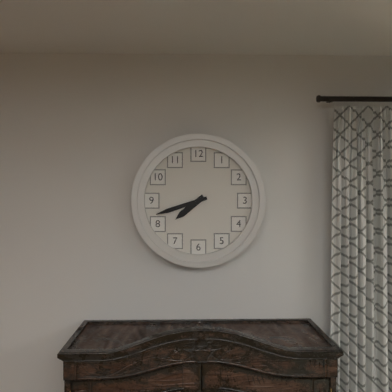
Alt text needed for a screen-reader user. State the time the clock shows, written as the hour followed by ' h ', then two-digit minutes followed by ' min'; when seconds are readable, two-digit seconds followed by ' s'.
7 h 42 min
